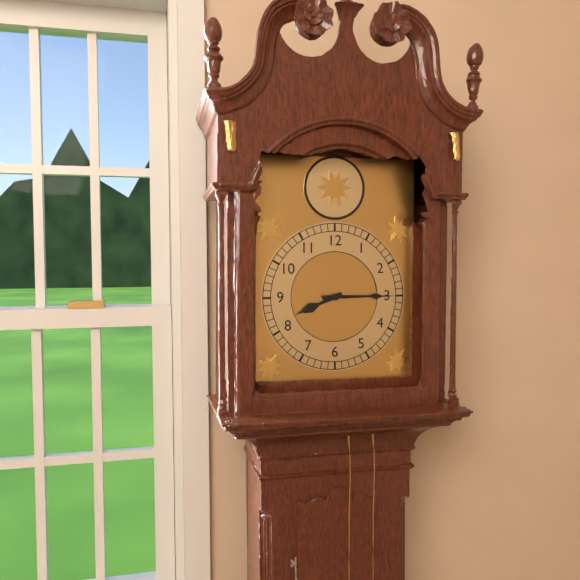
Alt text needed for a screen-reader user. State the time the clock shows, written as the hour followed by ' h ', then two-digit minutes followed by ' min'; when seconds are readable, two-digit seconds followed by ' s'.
8 h 15 min
